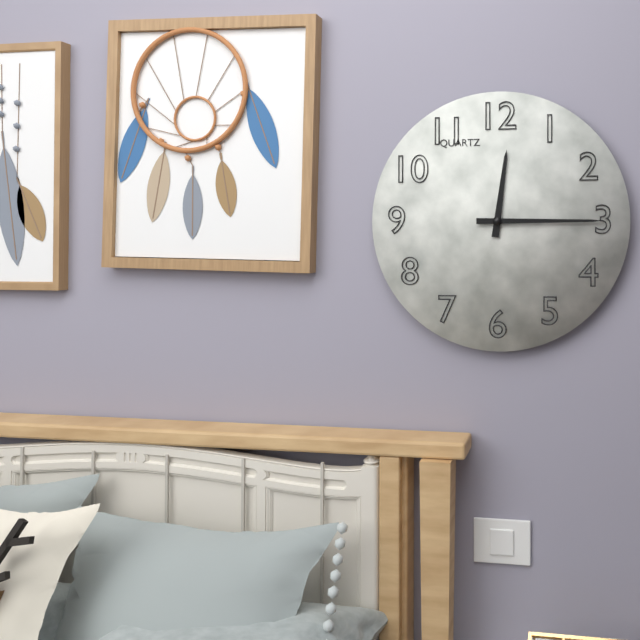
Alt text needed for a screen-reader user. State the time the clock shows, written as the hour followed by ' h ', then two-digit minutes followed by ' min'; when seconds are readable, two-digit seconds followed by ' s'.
12 h 15 min
